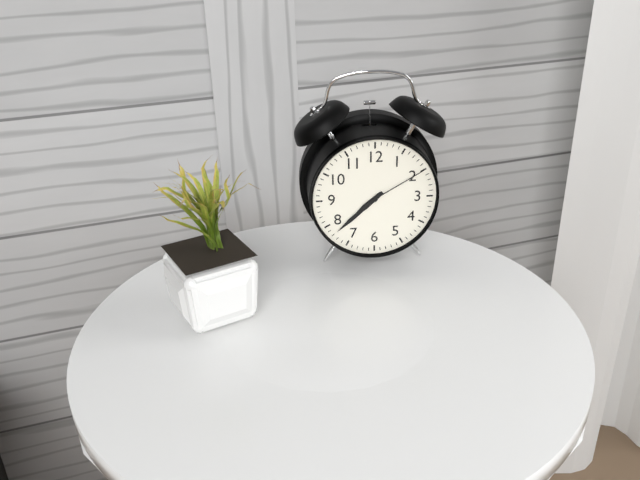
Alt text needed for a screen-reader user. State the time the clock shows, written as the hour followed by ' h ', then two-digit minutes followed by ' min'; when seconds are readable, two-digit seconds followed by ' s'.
7 h 38 min 10 s
